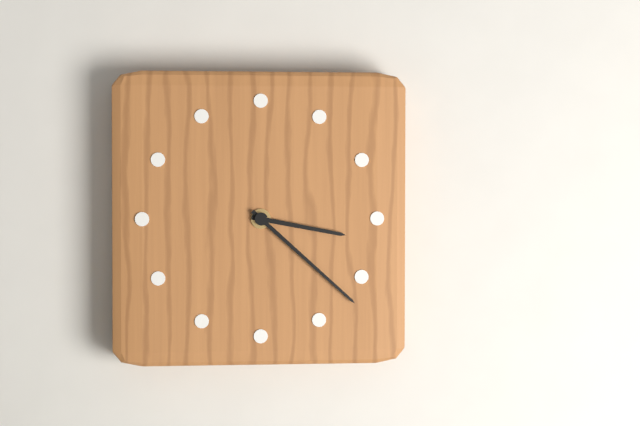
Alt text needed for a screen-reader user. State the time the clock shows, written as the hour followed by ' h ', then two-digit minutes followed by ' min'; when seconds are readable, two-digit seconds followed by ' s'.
3 h 22 min
